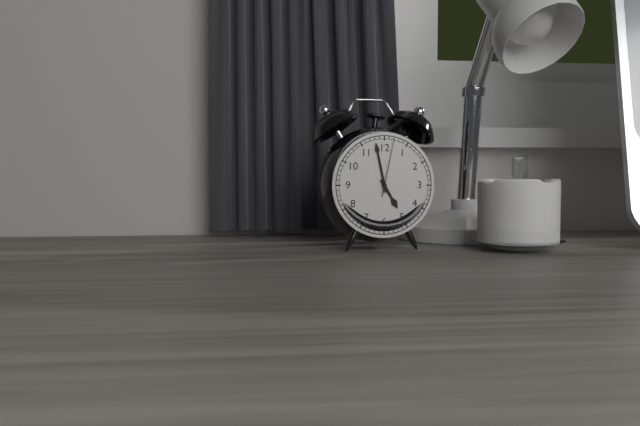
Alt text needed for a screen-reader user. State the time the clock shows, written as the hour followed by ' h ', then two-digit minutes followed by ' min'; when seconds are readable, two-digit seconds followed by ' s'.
4 h 58 min 02 s
